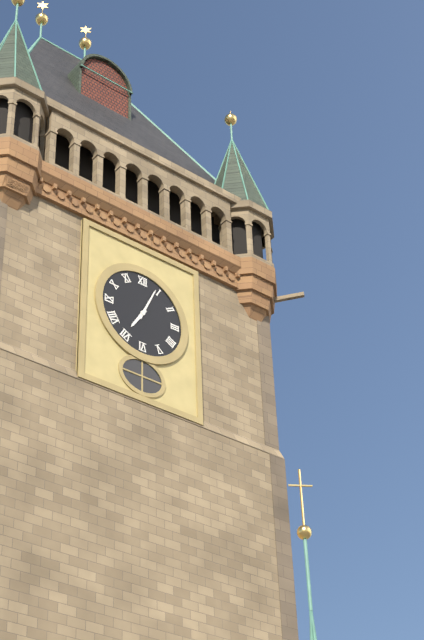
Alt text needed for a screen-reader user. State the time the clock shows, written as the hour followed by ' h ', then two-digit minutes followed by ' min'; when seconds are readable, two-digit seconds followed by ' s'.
7 h 04 min
